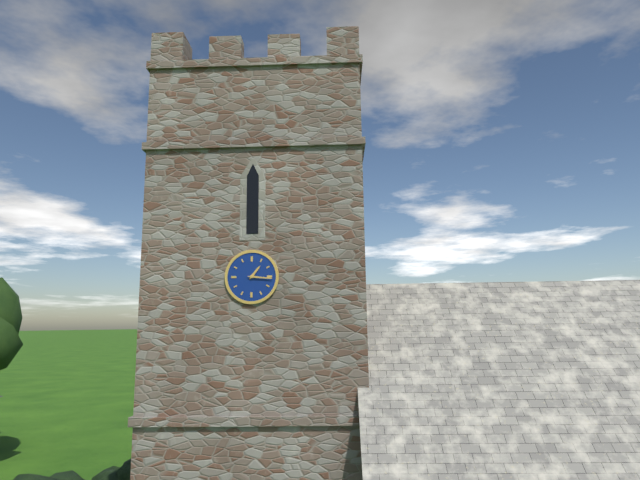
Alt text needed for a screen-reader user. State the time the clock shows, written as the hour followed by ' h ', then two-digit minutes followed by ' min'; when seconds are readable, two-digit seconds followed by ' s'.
1 h 16 min
